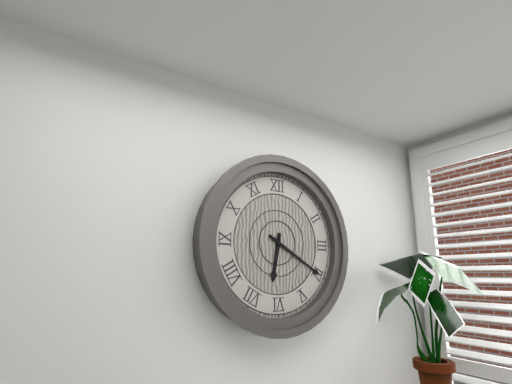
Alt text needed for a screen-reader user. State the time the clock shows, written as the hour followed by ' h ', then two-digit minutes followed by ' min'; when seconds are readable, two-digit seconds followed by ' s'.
6 h 20 min
